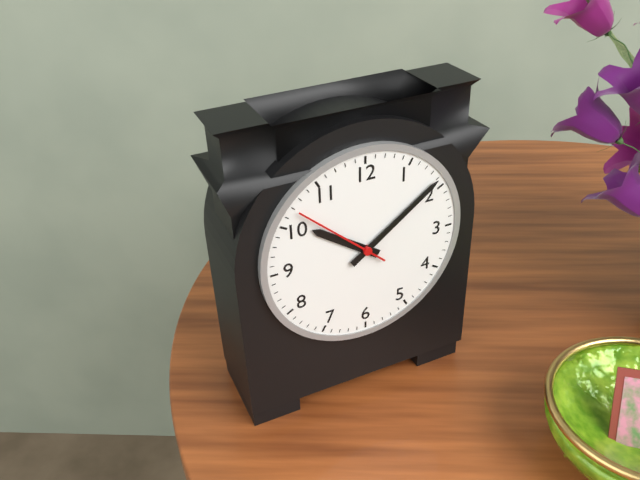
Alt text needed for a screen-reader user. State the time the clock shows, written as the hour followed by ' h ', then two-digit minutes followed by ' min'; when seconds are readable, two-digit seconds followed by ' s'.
10 h 09 min 52 s
